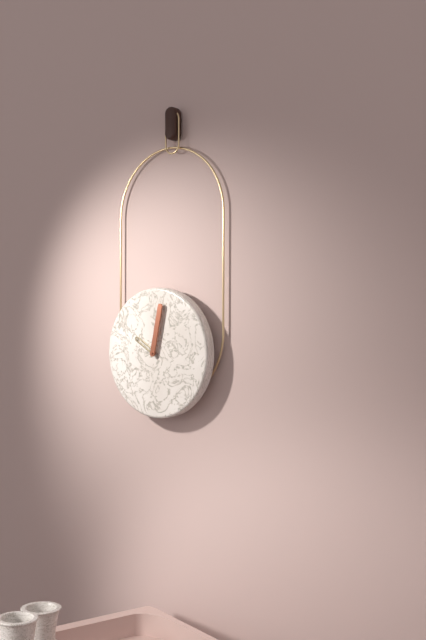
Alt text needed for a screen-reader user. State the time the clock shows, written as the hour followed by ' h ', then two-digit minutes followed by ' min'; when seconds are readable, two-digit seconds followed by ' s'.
10 h 02 min
